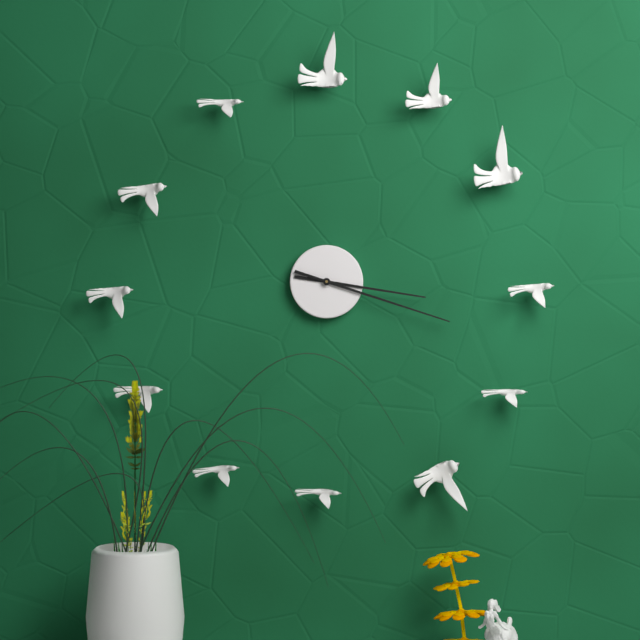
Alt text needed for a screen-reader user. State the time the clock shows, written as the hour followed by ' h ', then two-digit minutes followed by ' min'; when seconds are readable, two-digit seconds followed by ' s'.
3 h 18 min
